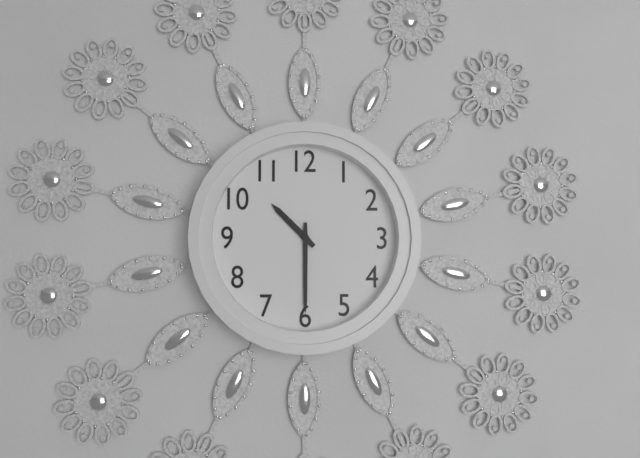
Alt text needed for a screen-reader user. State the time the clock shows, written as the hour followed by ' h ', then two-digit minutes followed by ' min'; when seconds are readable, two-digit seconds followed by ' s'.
10 h 30 min
